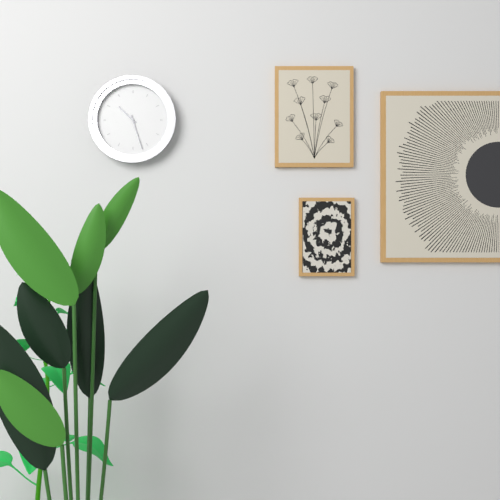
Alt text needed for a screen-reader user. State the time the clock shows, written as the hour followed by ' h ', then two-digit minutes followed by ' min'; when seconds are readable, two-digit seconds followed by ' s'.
10 h 27 min
